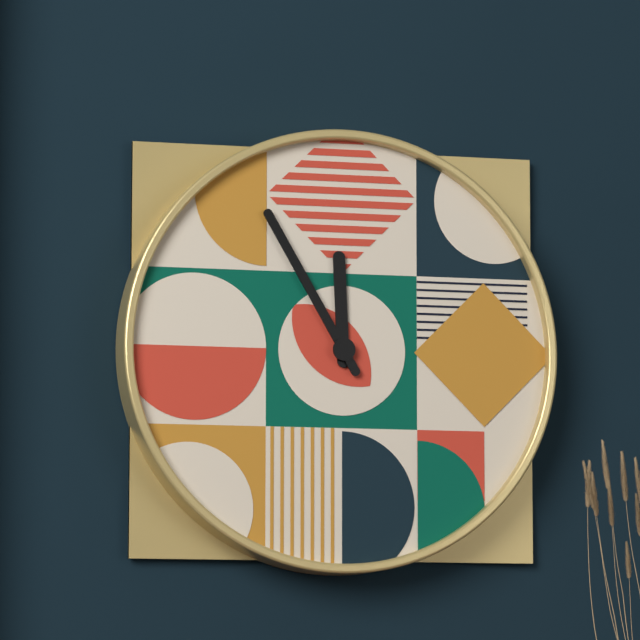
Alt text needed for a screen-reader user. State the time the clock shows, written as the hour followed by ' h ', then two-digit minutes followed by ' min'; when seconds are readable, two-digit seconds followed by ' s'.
11 h 55 min
